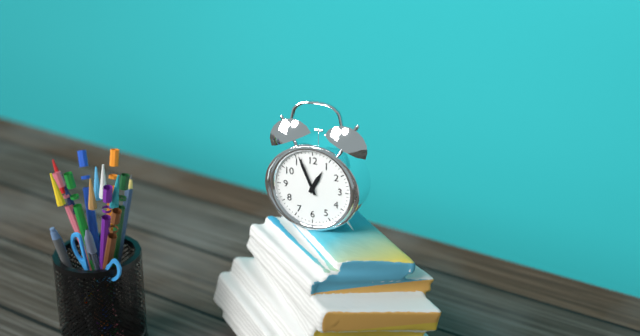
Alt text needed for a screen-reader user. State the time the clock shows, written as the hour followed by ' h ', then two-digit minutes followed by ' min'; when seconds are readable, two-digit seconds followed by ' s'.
12 h 56 min
